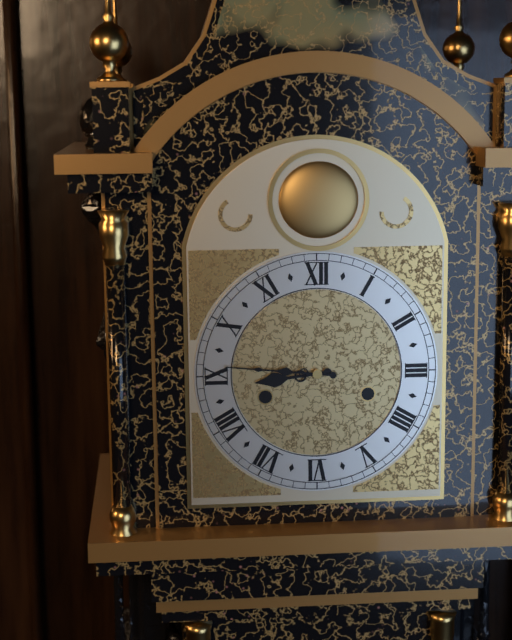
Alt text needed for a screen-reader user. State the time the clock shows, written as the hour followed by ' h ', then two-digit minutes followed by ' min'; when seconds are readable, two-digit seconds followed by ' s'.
8 h 46 min
